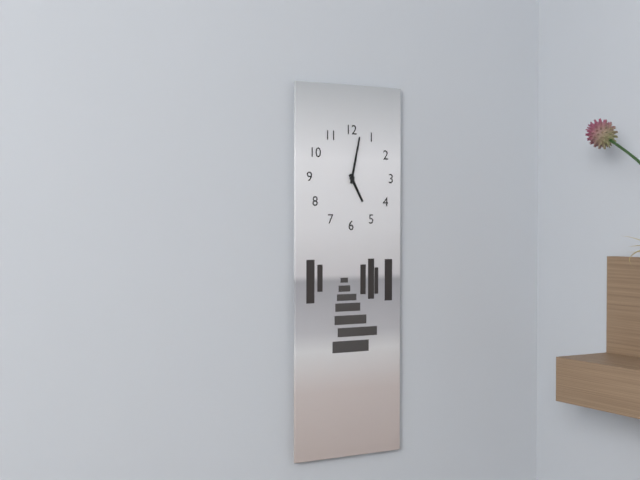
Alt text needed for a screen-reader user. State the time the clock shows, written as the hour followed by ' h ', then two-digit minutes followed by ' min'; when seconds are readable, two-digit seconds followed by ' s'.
5 h 02 min
